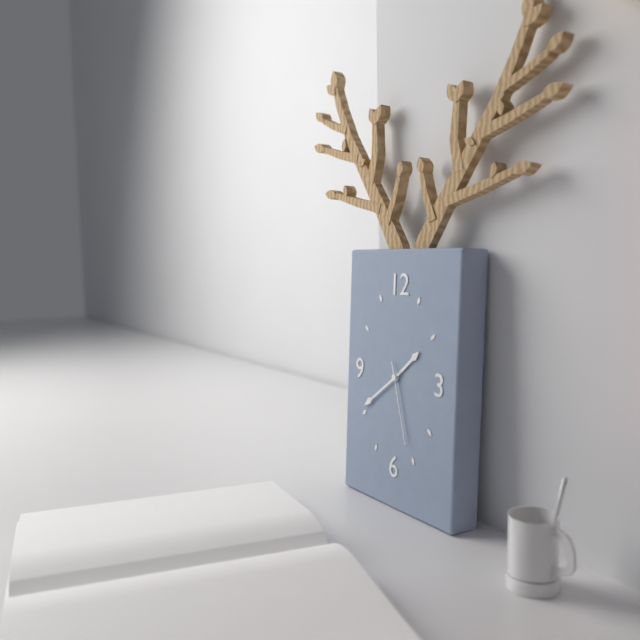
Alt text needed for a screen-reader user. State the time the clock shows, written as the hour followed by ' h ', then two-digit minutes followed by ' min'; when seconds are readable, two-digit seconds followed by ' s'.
1 h 39 min 27 s
